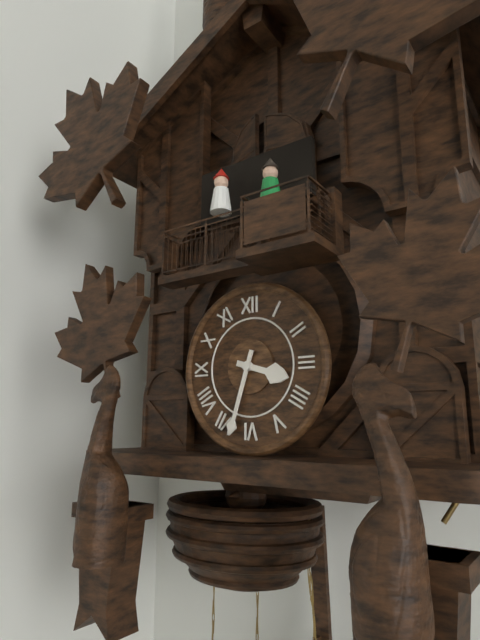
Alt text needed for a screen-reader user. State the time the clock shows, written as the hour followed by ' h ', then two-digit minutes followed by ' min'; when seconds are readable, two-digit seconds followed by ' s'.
3 h 33 min
